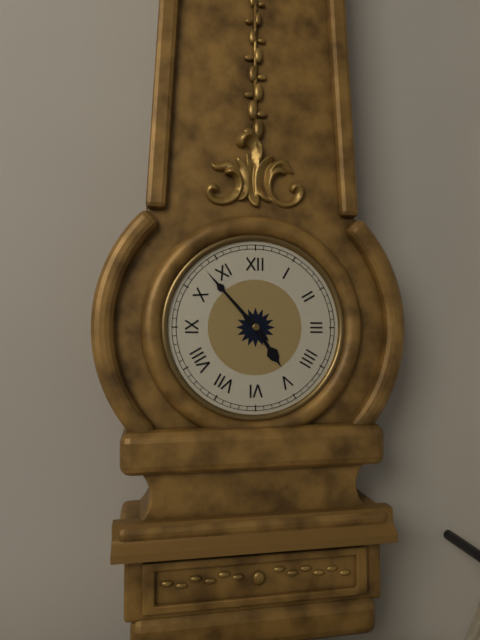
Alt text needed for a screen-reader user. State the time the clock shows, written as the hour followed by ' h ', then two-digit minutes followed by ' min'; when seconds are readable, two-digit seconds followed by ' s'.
4 h 53 min
